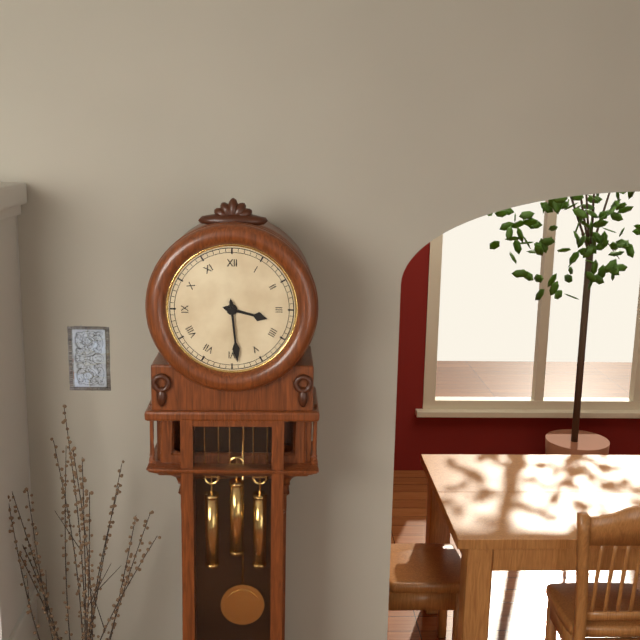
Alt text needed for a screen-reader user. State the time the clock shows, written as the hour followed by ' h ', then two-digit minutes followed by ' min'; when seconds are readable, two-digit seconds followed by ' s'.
3 h 29 min
